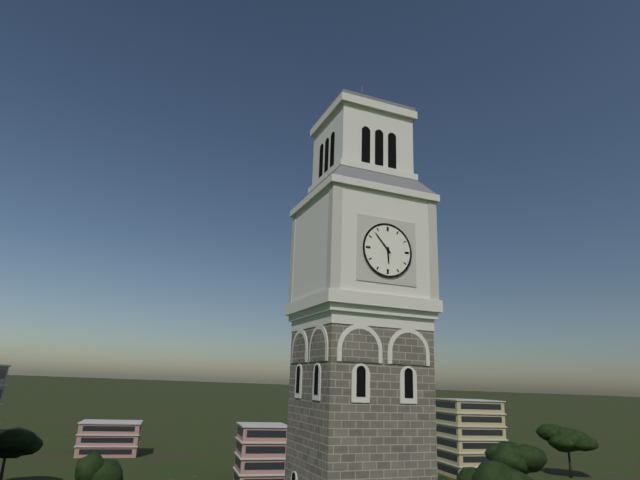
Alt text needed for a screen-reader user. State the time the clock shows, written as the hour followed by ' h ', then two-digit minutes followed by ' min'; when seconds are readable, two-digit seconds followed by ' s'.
5 h 53 min
